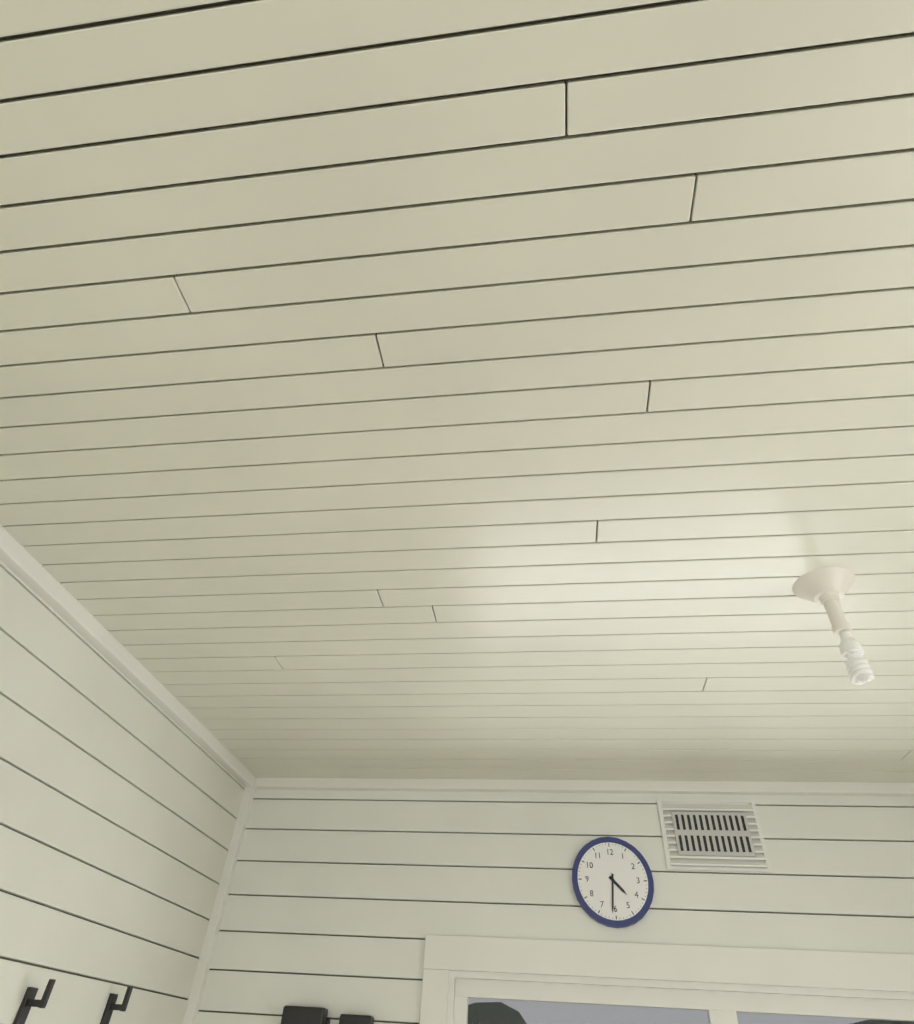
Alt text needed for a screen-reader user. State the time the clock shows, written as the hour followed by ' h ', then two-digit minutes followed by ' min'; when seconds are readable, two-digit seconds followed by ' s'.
4 h 31 min
